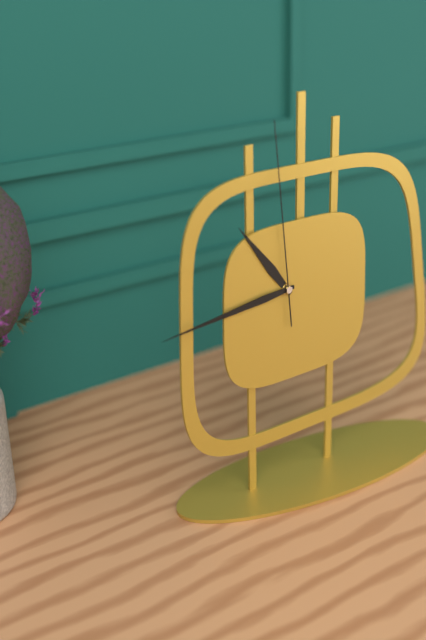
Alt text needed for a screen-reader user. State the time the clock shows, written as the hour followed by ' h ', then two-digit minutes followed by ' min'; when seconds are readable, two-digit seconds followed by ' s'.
10 h 44 min 59 s
